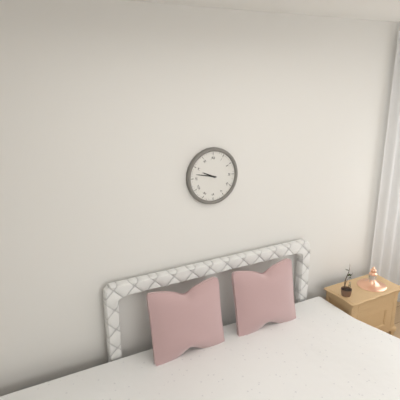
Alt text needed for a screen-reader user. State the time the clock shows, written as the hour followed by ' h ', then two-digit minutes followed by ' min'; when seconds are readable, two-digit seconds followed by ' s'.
9 h 47 min
